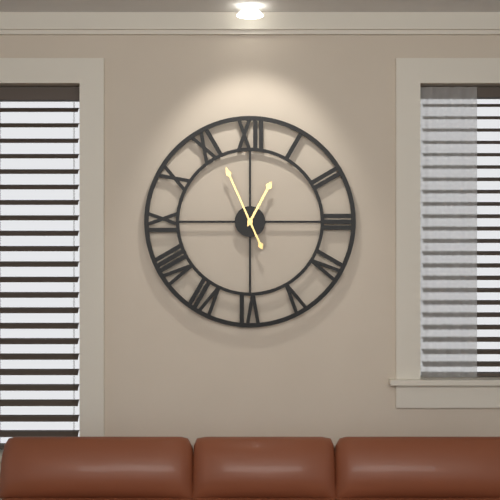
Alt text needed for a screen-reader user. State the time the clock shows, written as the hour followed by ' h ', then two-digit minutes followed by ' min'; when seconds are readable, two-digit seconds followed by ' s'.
12 h 56 min
